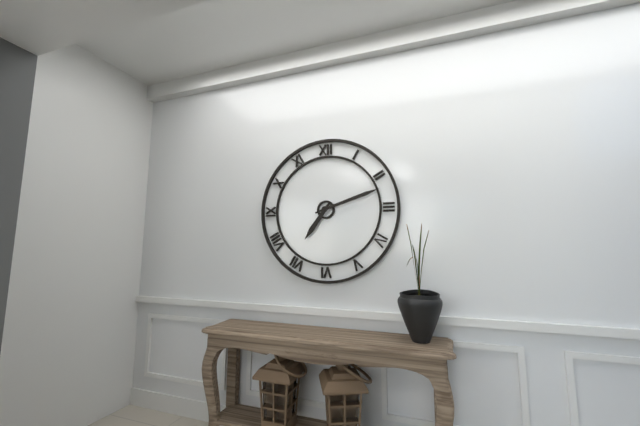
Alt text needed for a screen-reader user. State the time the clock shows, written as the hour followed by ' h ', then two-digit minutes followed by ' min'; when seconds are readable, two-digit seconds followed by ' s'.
7 h 12 min
